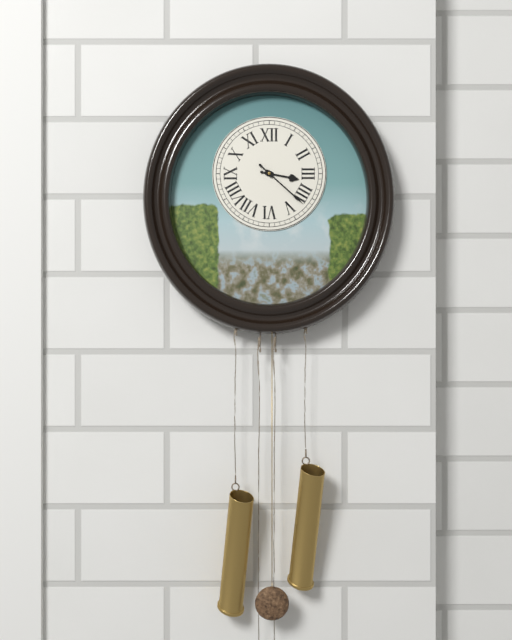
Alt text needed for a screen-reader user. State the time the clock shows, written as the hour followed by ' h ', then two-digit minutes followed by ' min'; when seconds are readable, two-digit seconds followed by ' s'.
3 h 22 min
